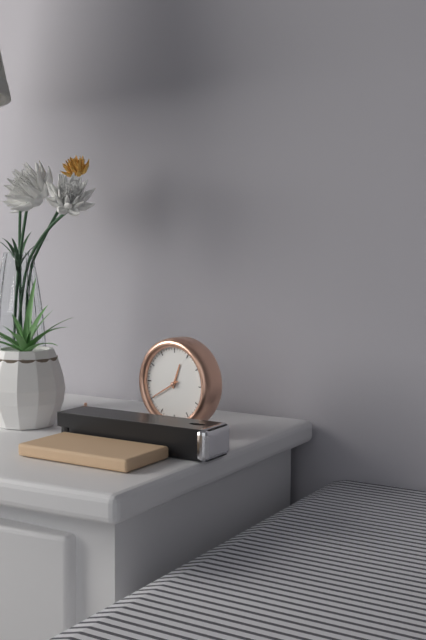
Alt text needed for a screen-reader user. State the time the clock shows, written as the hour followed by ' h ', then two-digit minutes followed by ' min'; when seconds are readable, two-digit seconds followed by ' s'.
12 h 40 min
